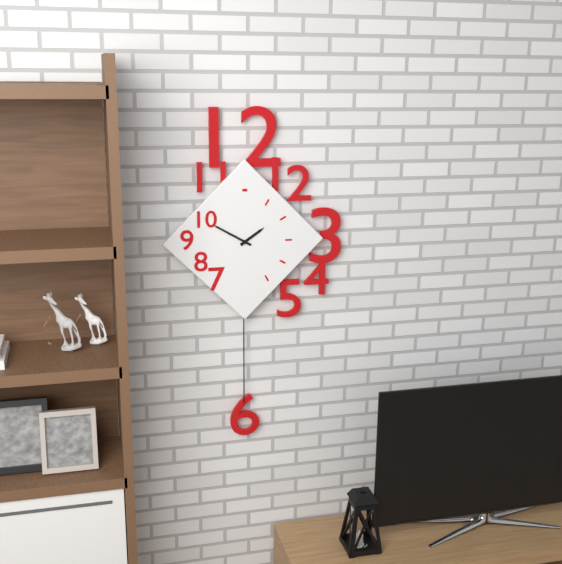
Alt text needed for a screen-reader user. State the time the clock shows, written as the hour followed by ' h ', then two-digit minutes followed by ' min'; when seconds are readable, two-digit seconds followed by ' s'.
1 h 50 min
